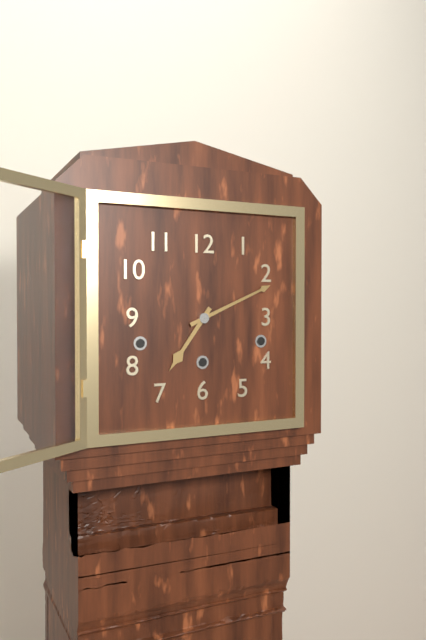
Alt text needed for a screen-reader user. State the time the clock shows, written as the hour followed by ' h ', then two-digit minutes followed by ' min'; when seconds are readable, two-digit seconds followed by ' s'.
7 h 11 min
